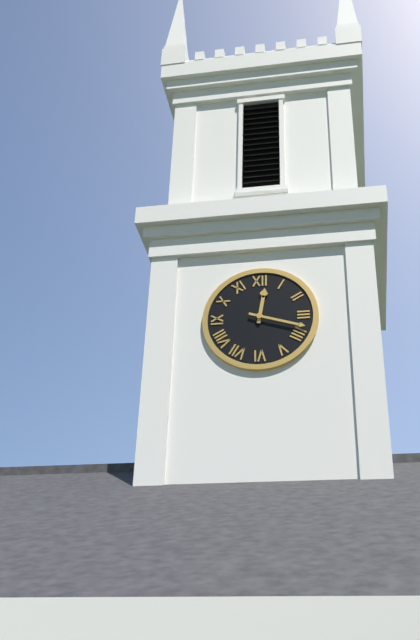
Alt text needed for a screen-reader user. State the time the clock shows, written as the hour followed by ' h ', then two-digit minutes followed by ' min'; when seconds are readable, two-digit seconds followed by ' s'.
12 h 18 min
